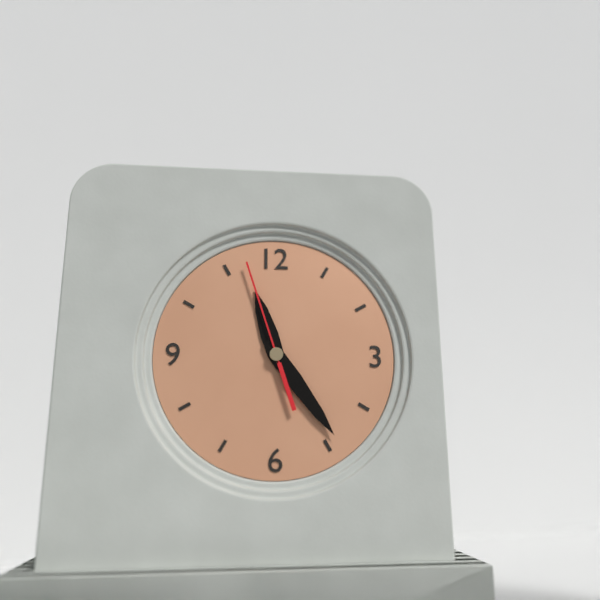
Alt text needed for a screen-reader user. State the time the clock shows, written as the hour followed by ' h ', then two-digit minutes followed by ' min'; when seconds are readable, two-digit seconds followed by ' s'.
11 h 24 min 57 s
